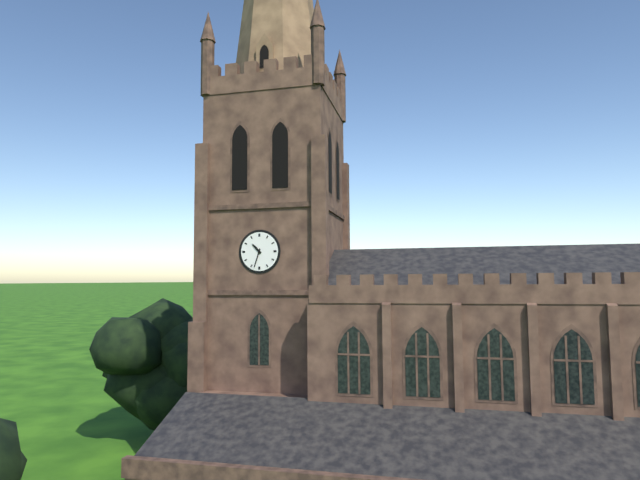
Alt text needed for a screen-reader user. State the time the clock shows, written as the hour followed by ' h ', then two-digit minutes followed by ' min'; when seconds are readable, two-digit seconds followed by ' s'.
10 h 33 min
